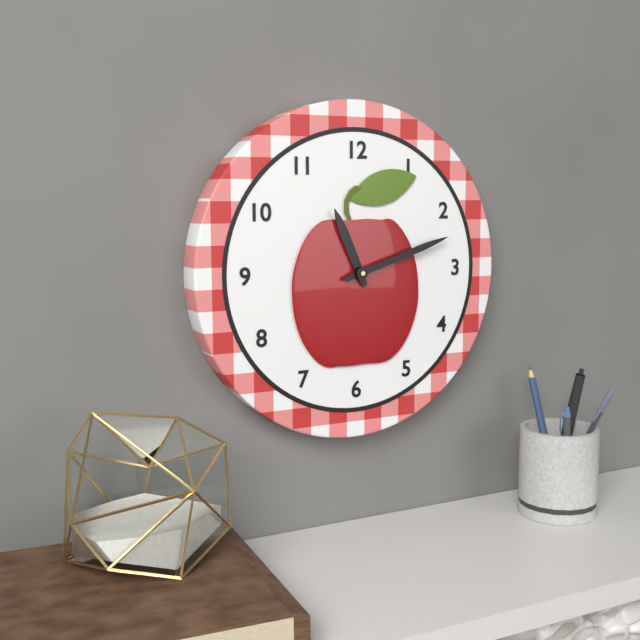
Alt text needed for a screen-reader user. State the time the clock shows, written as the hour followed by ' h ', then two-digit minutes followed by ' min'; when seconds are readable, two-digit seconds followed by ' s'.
11 h 12 min
